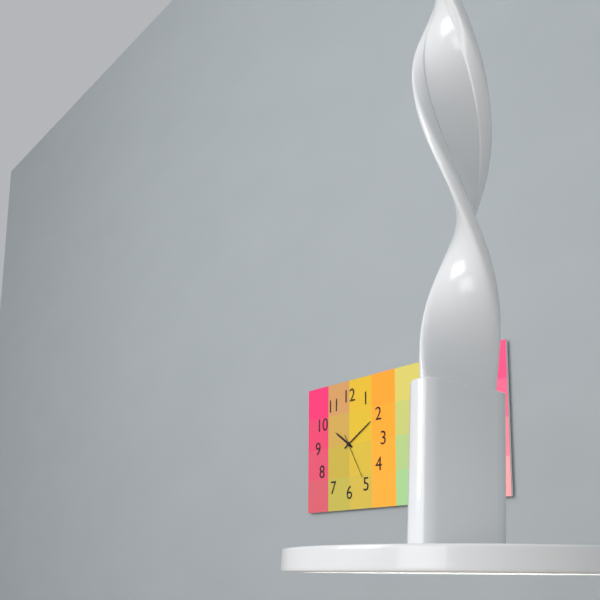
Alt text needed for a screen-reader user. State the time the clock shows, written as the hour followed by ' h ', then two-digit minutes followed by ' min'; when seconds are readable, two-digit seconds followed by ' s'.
10 h 10 min
